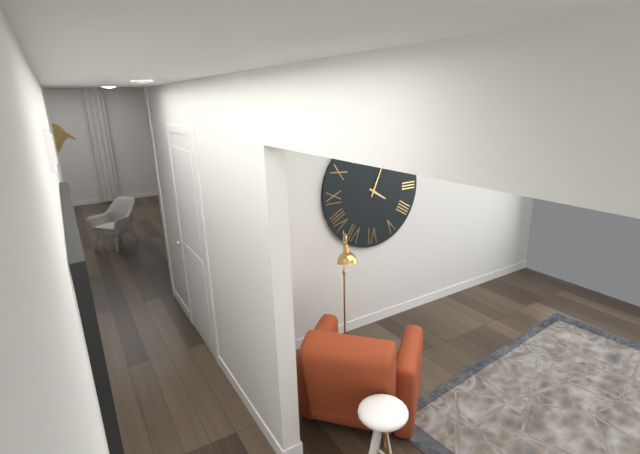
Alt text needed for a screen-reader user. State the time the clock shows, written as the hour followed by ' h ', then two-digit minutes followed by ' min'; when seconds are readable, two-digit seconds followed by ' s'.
4 h 04 min
